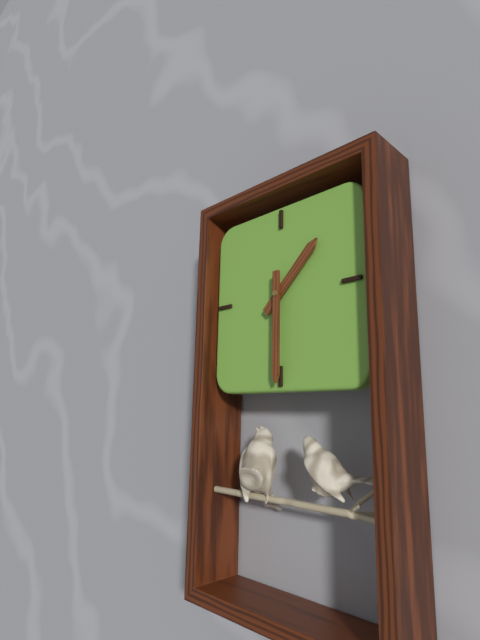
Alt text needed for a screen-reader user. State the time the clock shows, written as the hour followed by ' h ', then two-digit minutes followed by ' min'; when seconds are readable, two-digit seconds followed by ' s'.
1 h 30 min
